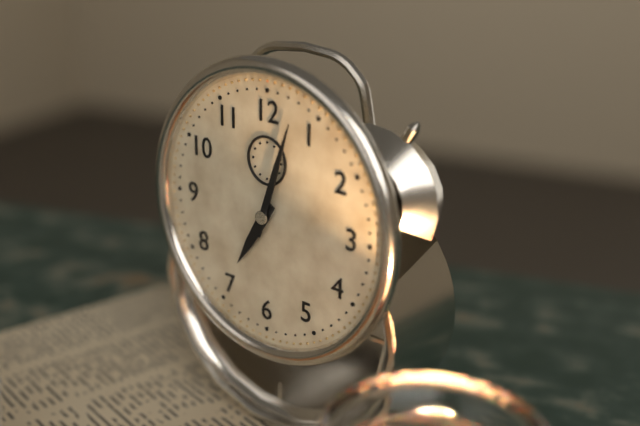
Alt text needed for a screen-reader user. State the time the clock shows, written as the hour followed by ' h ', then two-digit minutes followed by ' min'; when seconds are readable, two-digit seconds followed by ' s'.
7 h 03 min
